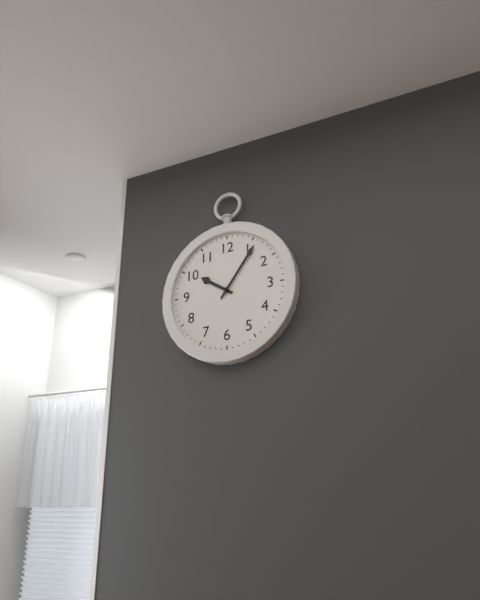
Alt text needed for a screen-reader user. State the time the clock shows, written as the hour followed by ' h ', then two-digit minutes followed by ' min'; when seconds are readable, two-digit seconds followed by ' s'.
10 h 06 min
